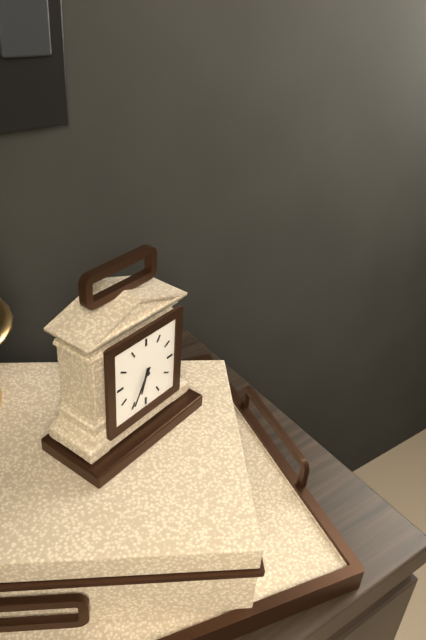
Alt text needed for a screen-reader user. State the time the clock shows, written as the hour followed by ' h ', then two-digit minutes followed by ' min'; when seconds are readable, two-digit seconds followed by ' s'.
6 h 35 min
